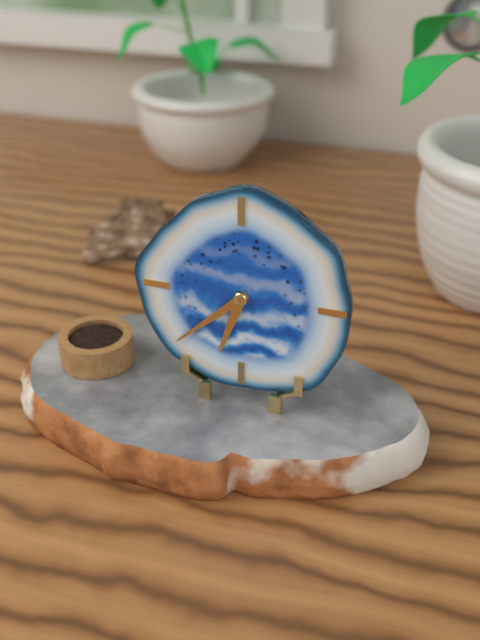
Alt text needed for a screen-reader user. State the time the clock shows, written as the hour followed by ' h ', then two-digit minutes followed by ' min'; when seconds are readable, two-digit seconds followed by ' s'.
6 h 38 min
